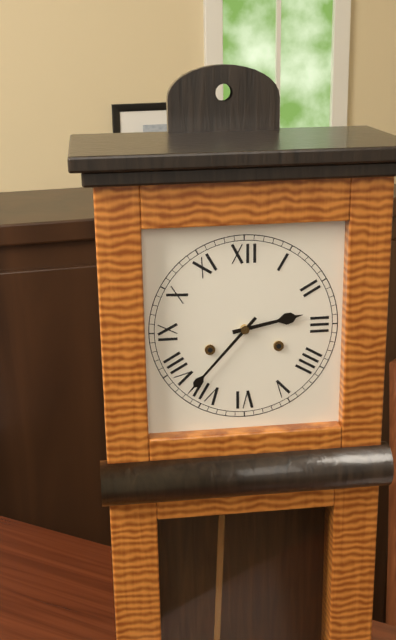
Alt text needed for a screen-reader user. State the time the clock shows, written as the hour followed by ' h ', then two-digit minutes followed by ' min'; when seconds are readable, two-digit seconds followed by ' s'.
2 h 37 min
